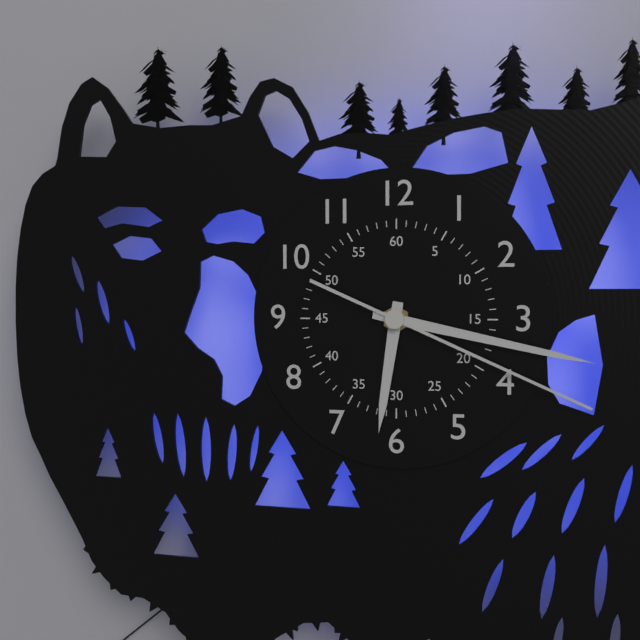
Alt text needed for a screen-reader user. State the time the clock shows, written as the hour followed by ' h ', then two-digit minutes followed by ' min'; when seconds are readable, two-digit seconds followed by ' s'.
6 h 17 min 19 s
